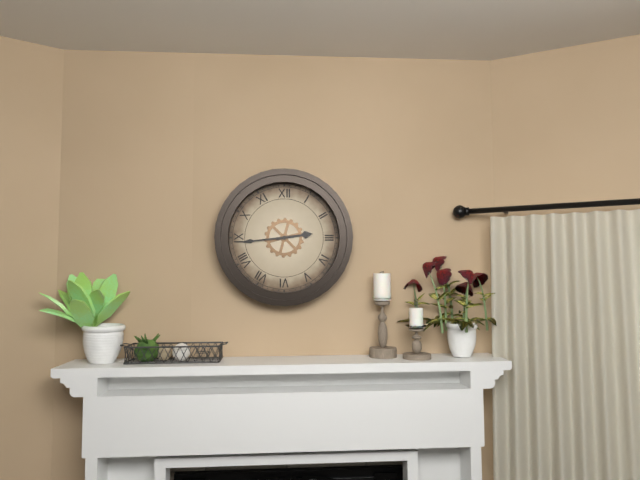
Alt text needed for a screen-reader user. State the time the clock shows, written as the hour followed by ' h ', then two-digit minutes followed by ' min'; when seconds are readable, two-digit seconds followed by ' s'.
2 h 44 min
